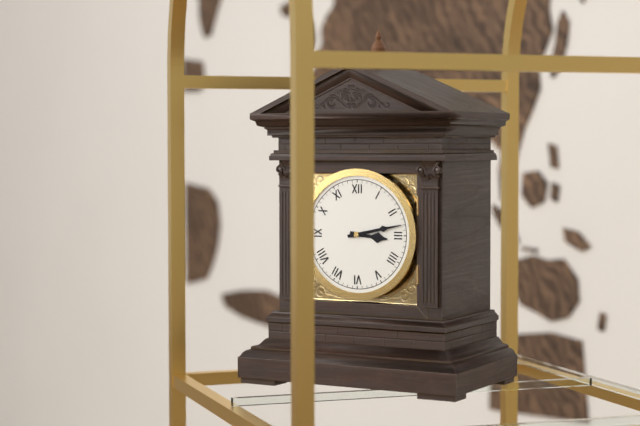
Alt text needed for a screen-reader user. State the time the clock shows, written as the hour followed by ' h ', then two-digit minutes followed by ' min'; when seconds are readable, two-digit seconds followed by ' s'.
3 h 13 min
